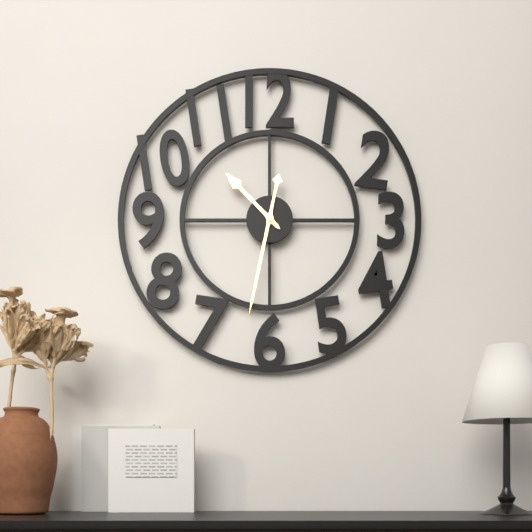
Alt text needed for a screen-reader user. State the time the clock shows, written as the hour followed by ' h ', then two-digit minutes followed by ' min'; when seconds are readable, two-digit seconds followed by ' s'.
10 h 32 min
